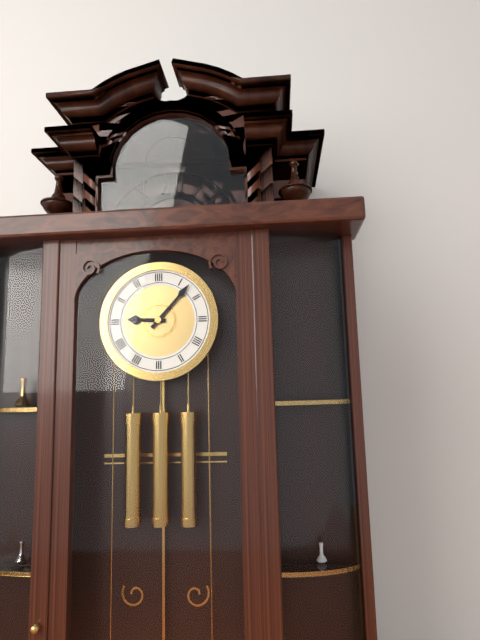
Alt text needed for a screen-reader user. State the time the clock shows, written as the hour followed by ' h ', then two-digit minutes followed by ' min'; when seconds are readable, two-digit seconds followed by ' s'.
9 h 07 min
